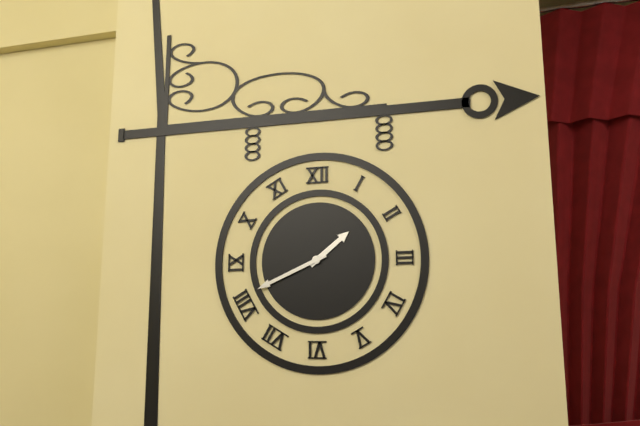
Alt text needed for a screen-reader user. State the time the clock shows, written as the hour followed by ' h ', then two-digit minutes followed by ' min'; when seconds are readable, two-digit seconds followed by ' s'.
1 h 41 min
